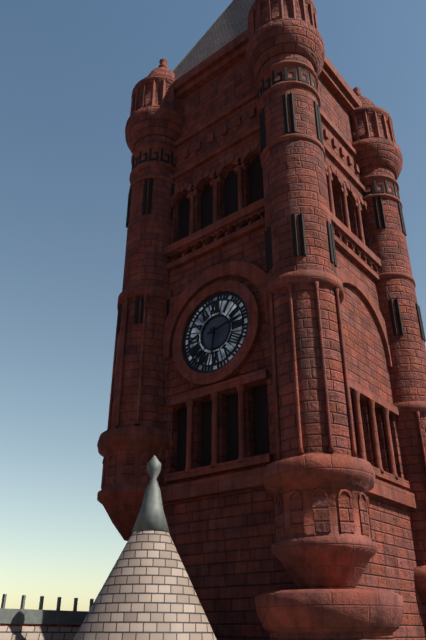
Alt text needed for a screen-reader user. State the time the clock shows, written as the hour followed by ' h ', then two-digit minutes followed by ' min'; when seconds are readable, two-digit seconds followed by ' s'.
6 h 13 min
